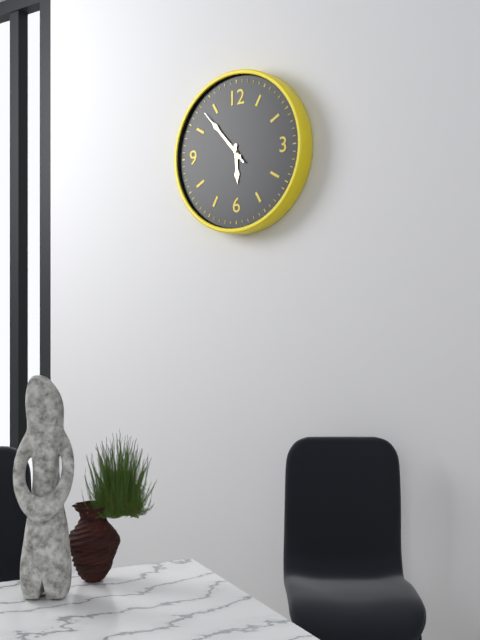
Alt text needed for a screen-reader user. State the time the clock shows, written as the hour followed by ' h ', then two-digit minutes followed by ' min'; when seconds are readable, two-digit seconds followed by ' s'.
5 h 53 min 53 s
